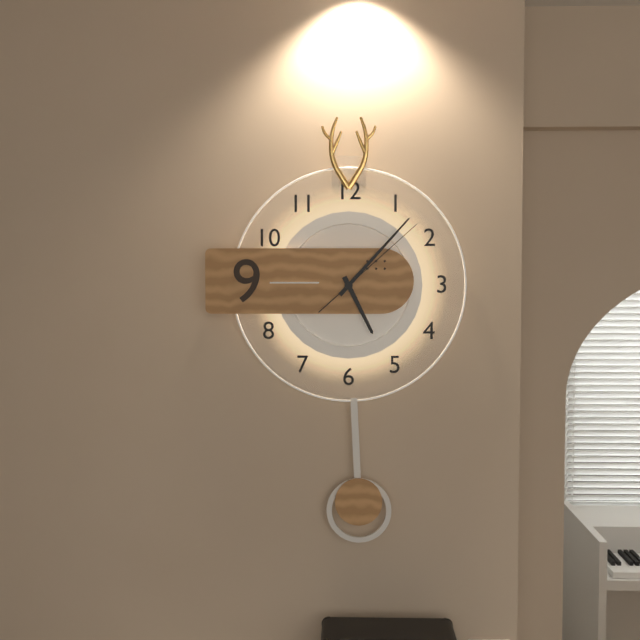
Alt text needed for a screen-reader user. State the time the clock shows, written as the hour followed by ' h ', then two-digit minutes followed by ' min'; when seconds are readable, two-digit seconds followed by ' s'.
5 h 07 min 08 s
